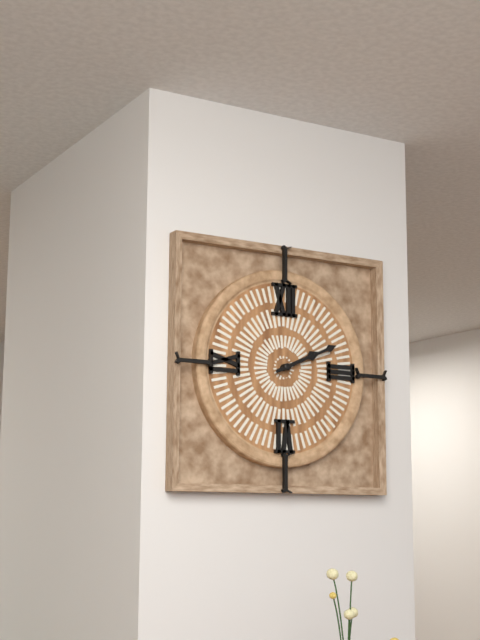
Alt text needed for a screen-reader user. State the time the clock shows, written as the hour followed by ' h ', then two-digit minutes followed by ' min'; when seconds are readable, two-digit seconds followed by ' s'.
2 h 11 min
